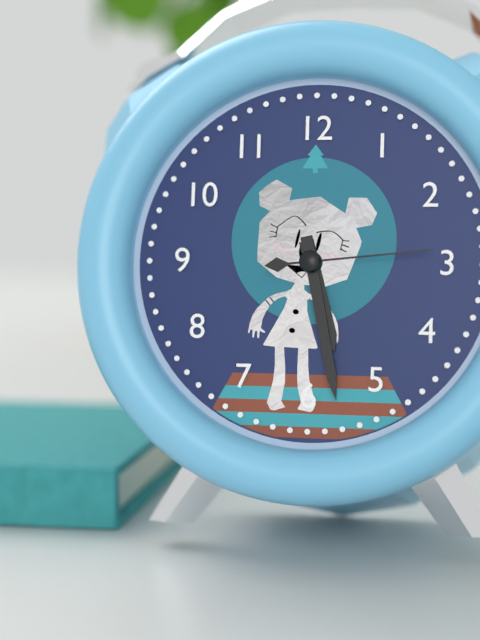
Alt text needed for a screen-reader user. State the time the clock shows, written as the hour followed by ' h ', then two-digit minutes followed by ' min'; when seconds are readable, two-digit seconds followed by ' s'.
5 h 28 min 14 s
